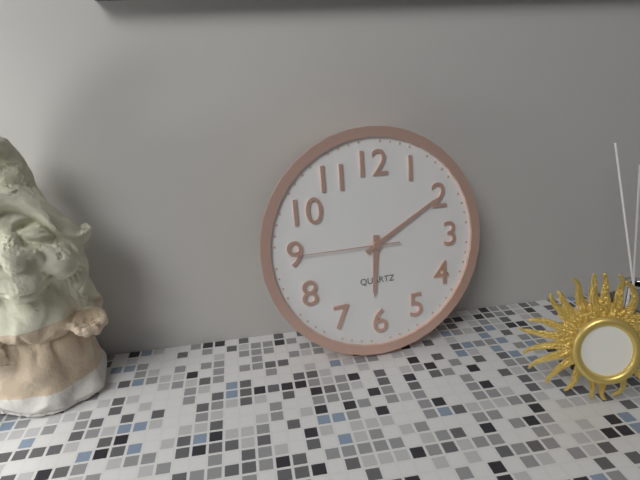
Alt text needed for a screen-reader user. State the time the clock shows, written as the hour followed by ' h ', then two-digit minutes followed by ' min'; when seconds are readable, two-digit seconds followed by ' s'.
6 h 10 min 45 s
